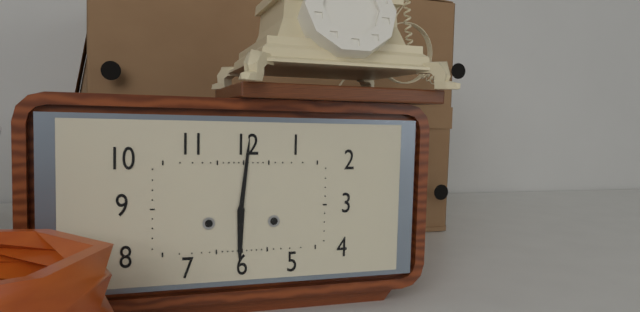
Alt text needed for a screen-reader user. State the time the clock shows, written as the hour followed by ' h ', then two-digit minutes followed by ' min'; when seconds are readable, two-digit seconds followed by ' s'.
6 h 01 min
